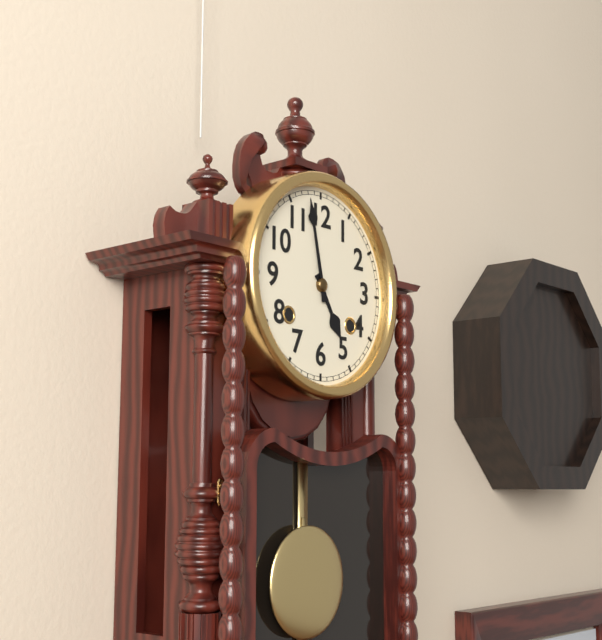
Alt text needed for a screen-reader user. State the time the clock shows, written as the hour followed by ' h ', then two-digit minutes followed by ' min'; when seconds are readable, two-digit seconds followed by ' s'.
4 h 58 min
